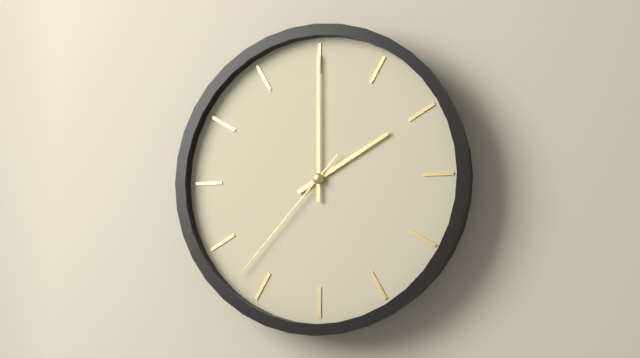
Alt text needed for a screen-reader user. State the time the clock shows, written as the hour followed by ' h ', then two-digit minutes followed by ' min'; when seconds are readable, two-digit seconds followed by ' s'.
2 h 00 min 37 s
